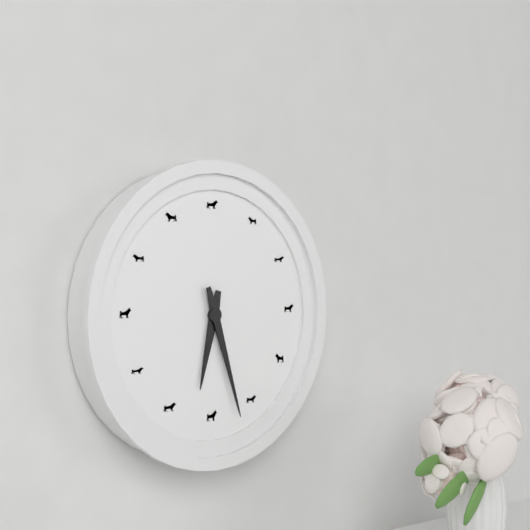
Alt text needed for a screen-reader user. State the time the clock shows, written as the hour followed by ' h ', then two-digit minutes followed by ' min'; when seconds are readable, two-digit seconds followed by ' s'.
6 h 27 min
